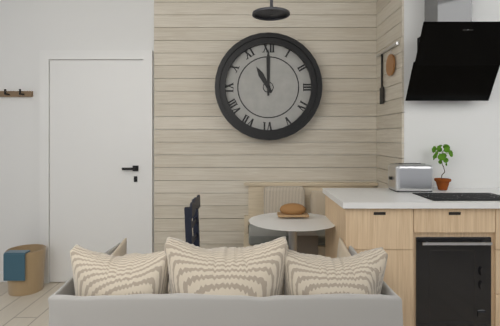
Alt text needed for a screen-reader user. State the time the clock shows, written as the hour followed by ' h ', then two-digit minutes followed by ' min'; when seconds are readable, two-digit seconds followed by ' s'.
11 h 00 min
